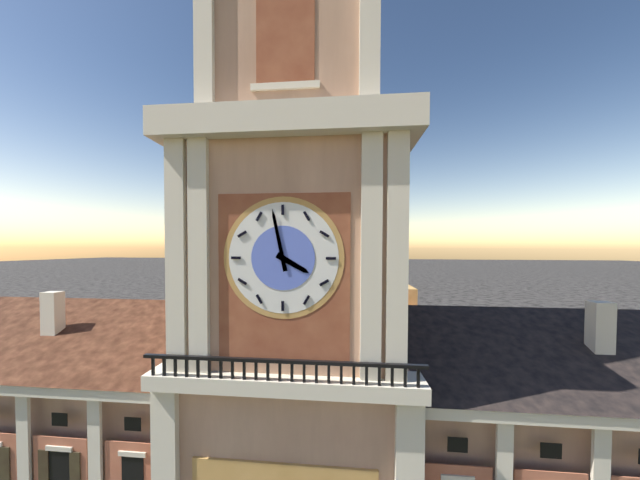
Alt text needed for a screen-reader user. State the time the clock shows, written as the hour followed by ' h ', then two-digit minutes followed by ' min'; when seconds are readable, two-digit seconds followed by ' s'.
3 h 58 min
